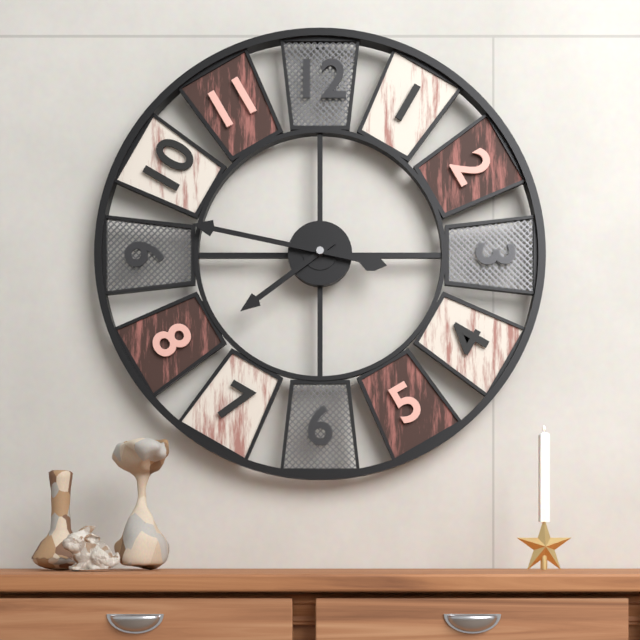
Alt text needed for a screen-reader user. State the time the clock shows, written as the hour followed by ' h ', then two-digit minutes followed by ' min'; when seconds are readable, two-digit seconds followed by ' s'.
7 h 47 min
